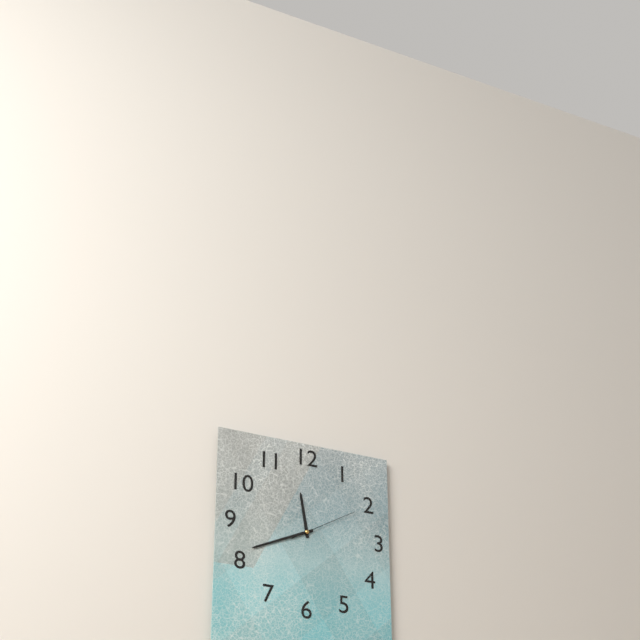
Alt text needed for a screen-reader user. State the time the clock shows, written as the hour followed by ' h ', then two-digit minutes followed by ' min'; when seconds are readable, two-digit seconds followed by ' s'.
11 h 41 min 10 s
